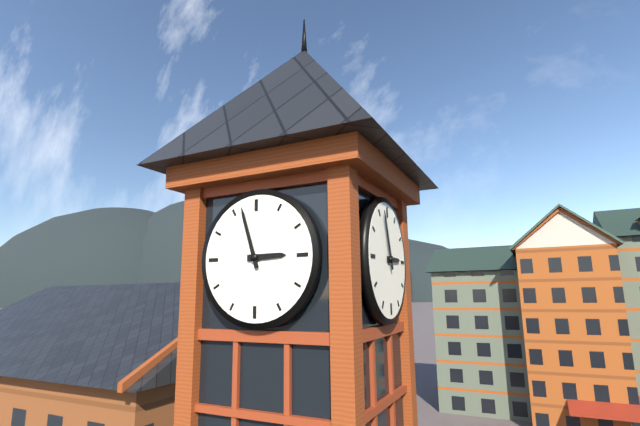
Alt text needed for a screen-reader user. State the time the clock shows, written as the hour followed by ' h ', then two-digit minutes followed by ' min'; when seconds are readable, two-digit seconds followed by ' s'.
2 h 57 min
